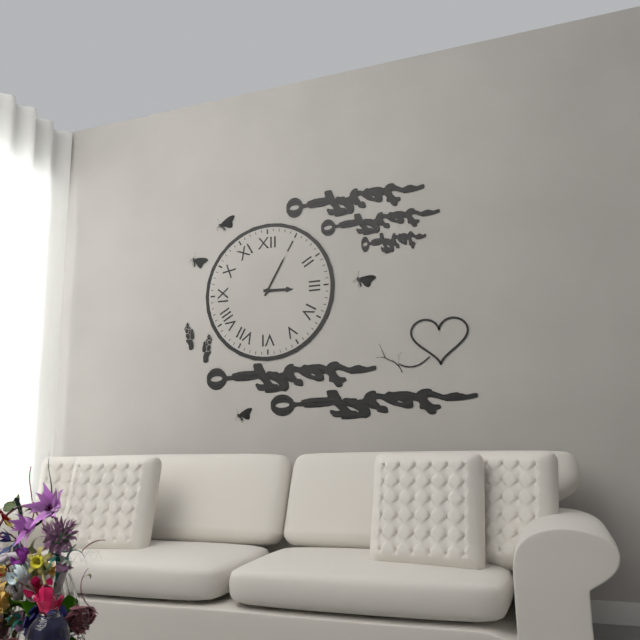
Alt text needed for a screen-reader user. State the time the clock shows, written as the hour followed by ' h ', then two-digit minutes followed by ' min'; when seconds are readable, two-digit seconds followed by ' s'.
3 h 05 min
